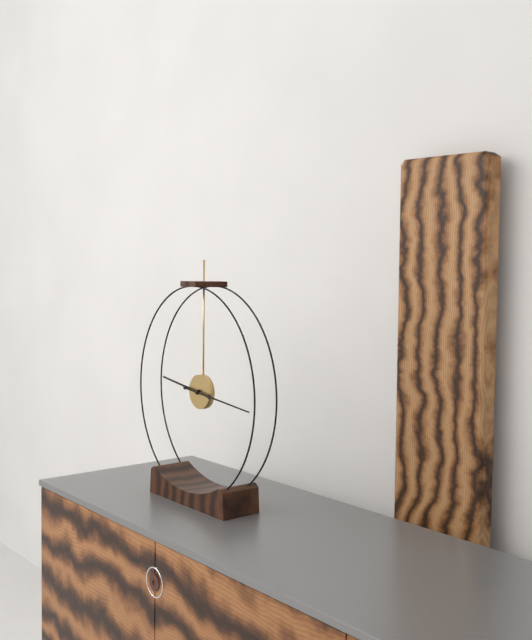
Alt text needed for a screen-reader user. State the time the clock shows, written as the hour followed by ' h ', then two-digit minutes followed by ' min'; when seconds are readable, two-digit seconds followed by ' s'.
9 h 16 min
